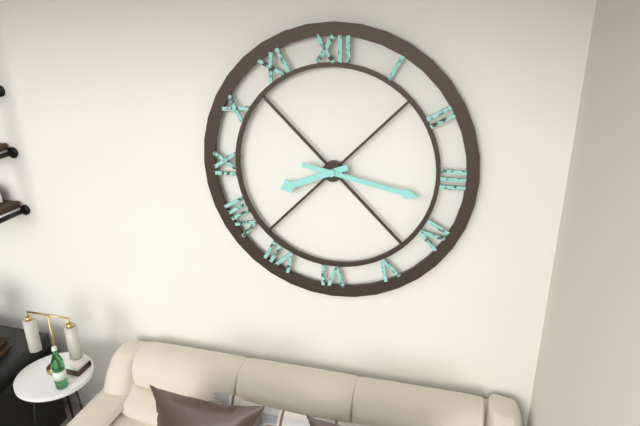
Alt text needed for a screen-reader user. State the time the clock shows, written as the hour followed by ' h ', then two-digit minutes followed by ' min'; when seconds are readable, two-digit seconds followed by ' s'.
8 h 17 min
